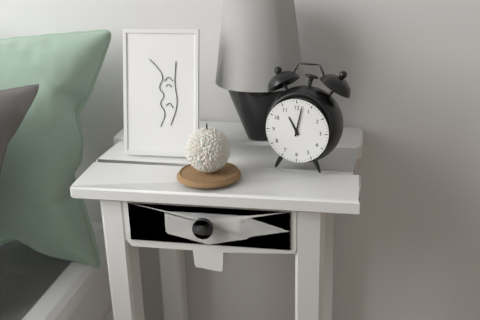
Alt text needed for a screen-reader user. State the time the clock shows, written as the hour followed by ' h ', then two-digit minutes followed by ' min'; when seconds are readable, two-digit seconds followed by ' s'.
11 h 02 min
